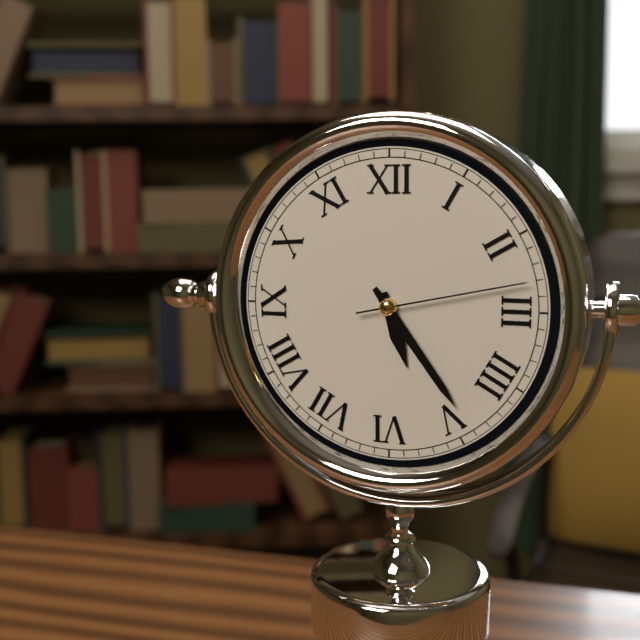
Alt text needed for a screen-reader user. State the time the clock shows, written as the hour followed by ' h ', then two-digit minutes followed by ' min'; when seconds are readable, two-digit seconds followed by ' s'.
5 h 24 min 13 s
